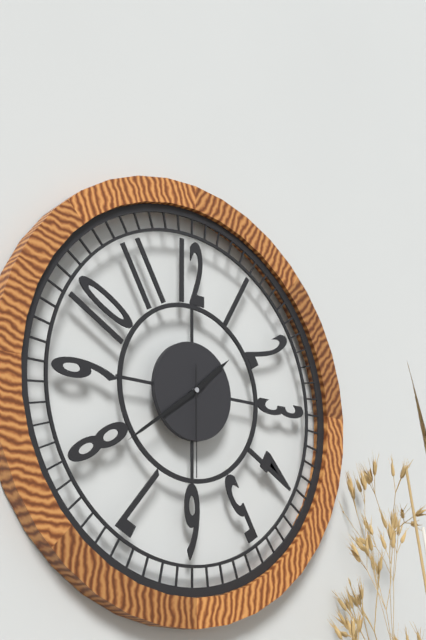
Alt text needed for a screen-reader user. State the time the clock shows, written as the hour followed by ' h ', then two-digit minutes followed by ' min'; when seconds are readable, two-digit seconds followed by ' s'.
1 h 39 min 30 s
